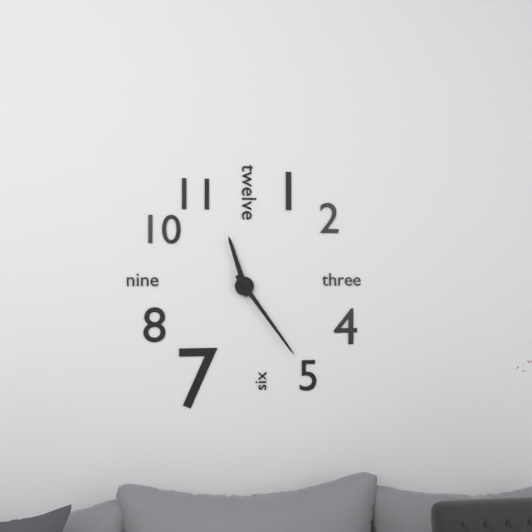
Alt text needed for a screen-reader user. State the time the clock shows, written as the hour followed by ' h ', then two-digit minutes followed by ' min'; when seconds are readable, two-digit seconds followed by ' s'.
11 h 24 min
